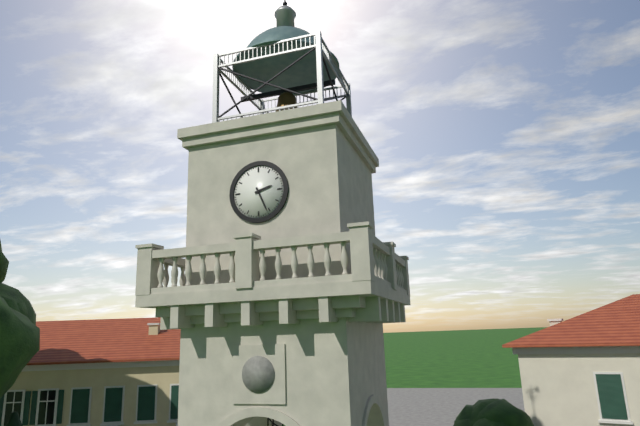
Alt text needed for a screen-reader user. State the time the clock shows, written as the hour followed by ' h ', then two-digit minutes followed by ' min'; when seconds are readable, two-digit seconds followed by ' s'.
2 h 26 min
